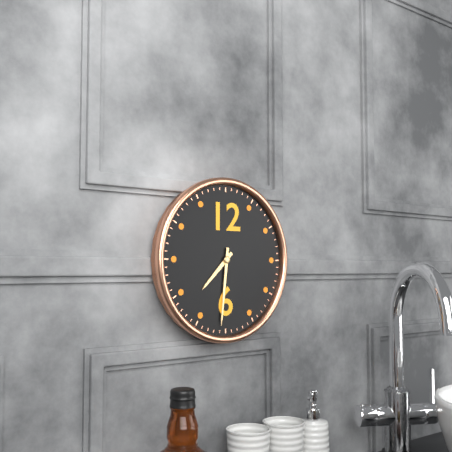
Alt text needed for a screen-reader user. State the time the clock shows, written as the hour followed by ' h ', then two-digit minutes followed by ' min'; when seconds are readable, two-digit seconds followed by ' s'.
7 h 31 min
